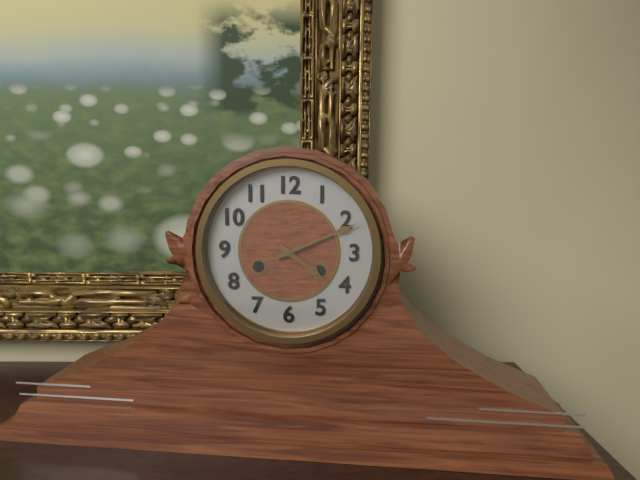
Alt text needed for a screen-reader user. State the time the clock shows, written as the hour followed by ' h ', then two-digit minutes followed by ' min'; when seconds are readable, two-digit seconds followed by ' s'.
4 h 11 min
